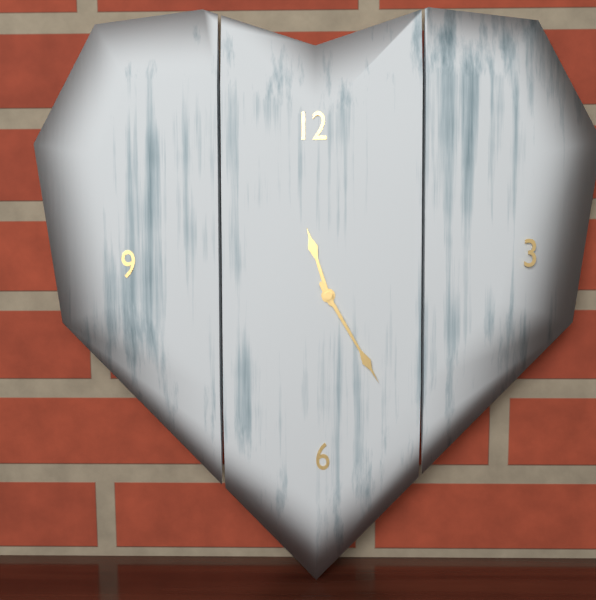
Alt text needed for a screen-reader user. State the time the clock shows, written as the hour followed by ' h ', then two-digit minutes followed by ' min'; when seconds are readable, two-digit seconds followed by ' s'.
11 h 25 min
